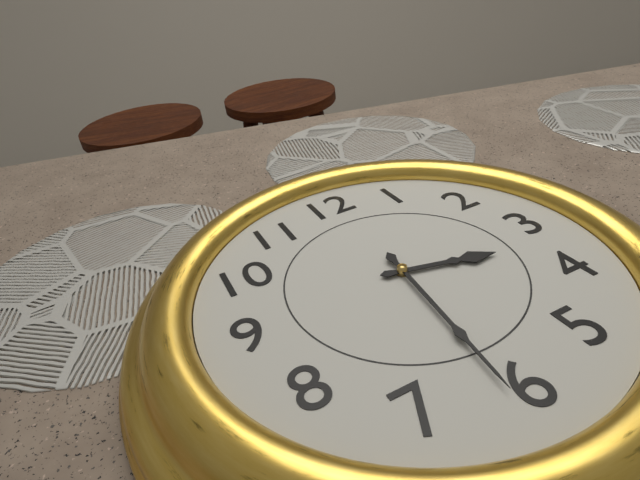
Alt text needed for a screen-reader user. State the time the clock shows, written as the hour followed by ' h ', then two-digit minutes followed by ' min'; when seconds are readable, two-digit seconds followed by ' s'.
3 h 31 min
